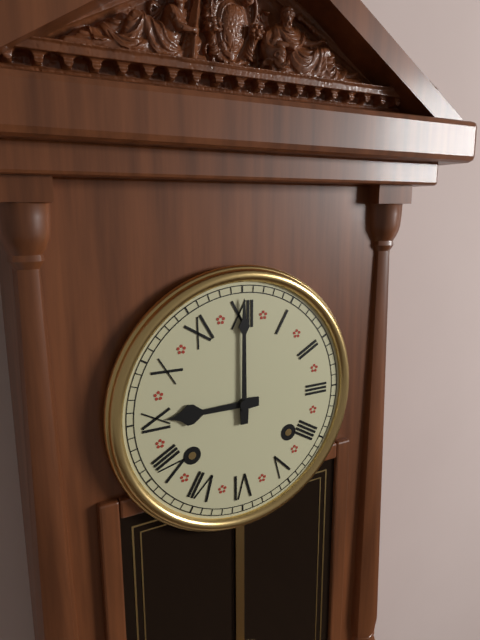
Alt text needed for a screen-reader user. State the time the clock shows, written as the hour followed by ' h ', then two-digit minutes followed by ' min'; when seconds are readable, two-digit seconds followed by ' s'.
9 h 00 min
